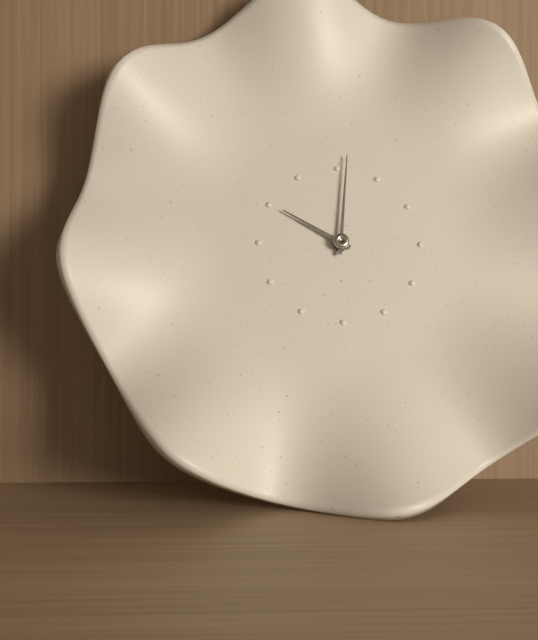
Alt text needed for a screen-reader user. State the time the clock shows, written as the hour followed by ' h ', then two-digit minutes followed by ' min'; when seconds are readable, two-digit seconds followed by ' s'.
10 h 01 min
